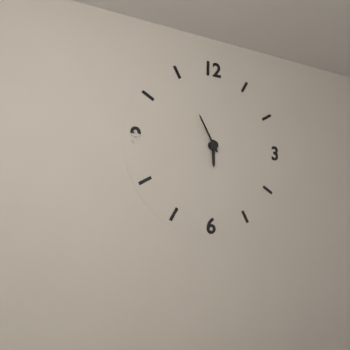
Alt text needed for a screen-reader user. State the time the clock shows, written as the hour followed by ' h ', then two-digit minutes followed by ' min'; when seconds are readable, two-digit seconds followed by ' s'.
5 h 55 min
